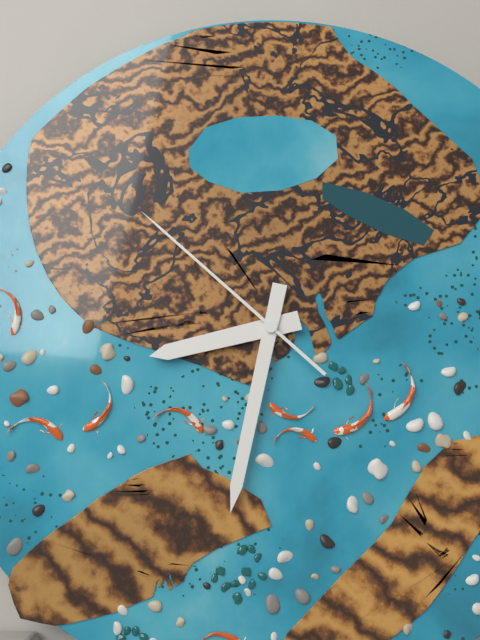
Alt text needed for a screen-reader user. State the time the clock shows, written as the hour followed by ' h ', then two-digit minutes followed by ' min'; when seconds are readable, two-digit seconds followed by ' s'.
8 h 32 min 52 s
